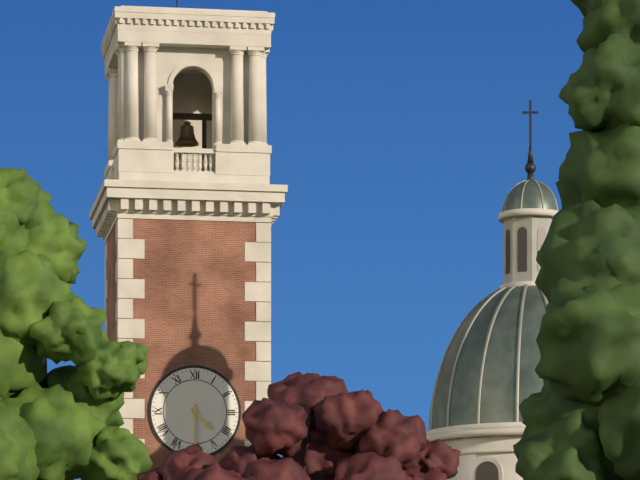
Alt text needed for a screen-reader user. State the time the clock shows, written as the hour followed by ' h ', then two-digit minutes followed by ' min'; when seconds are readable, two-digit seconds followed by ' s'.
4 h 30 min
